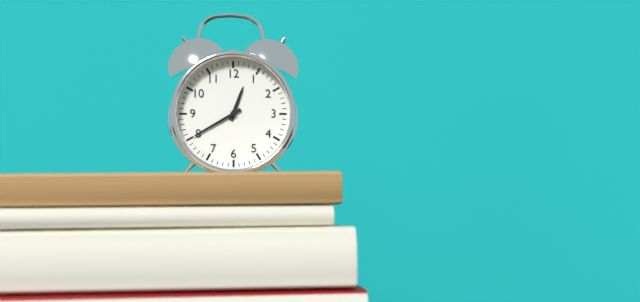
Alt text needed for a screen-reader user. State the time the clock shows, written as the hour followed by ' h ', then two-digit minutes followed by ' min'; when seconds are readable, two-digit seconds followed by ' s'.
12 h 40 min
